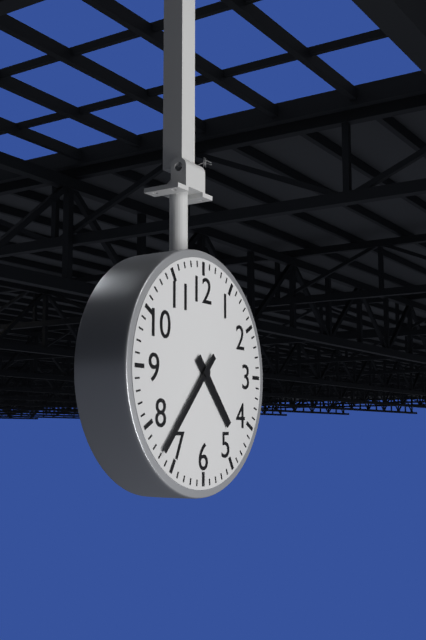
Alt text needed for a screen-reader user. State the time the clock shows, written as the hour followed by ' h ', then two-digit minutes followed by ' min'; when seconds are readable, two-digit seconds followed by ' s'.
4 h 37 min
